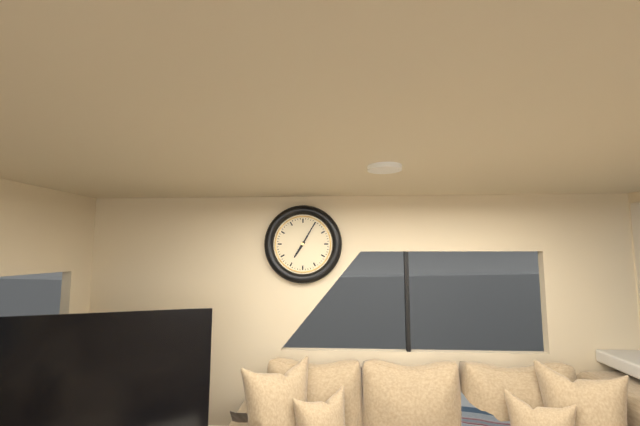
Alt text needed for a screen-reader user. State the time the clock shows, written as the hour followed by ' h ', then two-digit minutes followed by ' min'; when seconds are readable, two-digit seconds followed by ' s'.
7 h 05 min
